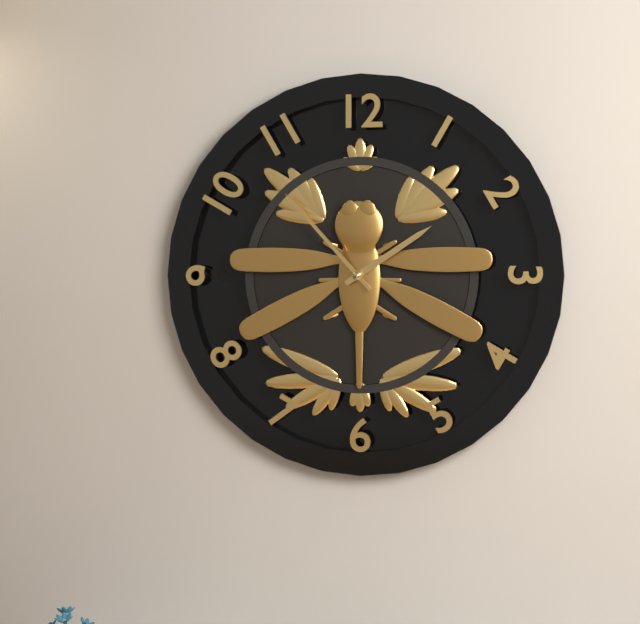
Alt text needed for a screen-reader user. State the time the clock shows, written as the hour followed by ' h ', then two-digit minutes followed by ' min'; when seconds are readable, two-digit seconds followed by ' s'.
1 h 53 min
